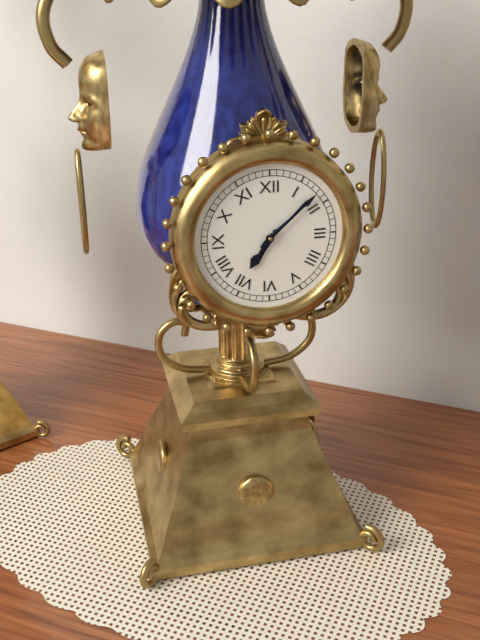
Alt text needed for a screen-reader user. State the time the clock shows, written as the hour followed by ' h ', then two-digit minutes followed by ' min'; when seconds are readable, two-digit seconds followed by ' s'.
7 h 08 min
